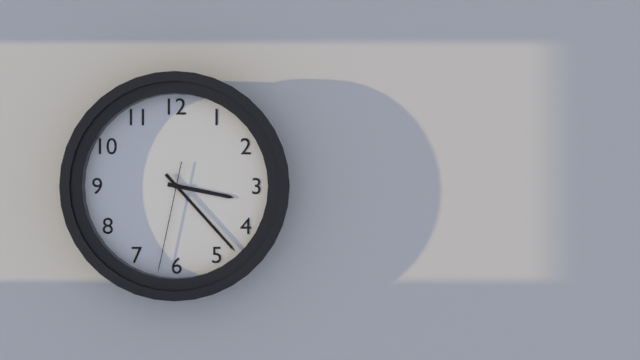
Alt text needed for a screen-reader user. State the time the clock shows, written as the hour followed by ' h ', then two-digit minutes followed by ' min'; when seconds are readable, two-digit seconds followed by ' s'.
3 h 23 min 32 s
